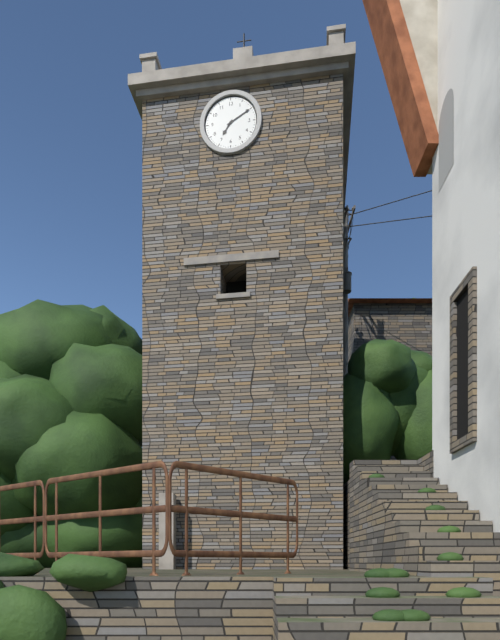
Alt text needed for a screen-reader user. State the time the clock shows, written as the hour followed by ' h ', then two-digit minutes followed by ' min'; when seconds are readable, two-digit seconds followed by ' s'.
7 h 10 min
